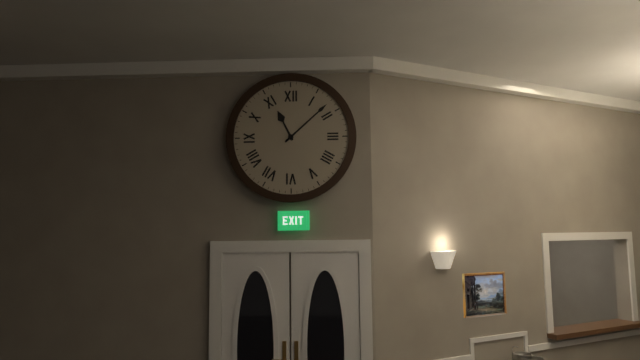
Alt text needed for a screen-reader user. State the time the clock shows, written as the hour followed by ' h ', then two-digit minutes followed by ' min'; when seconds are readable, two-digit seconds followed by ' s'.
11 h 08 min
